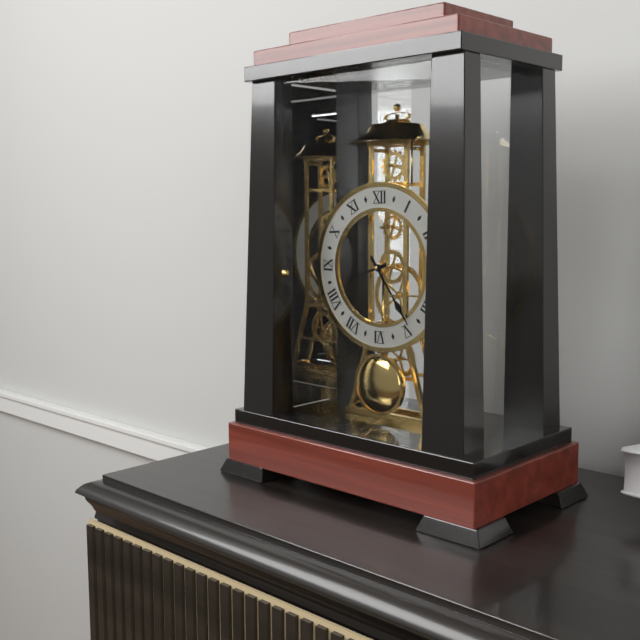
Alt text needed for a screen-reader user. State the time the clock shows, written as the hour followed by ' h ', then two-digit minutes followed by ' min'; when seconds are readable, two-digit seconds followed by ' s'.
8 h 24 min
